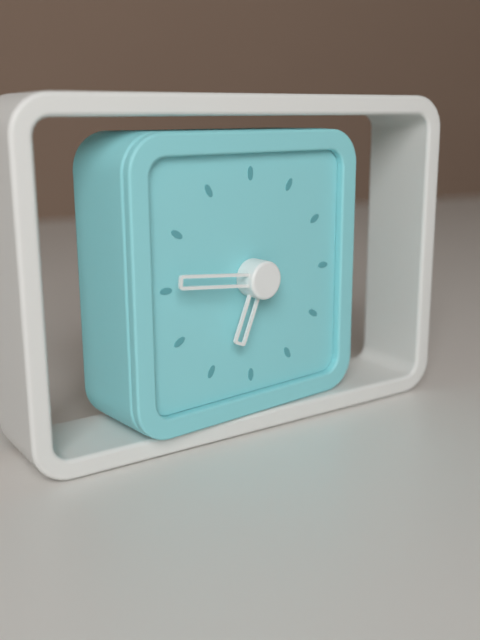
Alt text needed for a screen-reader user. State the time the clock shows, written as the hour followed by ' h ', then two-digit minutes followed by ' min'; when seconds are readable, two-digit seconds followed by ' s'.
6 h 46 min
